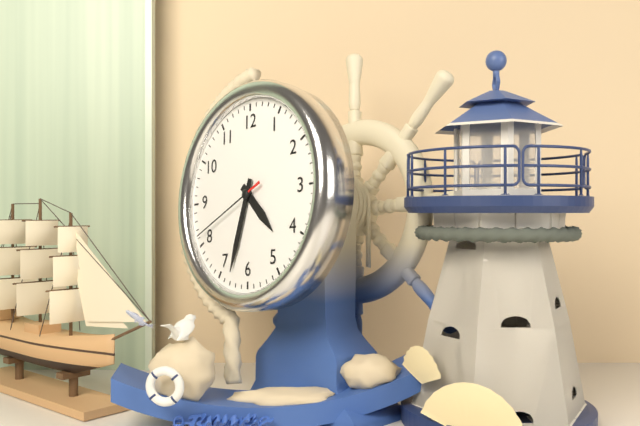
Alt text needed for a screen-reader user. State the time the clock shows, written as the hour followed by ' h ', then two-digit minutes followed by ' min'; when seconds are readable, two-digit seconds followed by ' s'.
4 h 33 min 41 s
